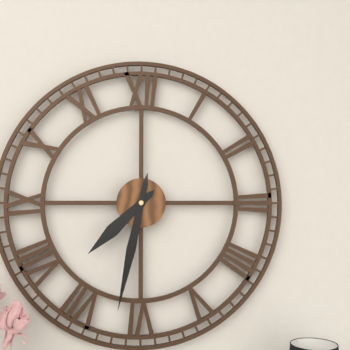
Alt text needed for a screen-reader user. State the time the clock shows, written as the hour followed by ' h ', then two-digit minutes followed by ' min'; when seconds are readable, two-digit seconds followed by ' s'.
7 h 32 min
